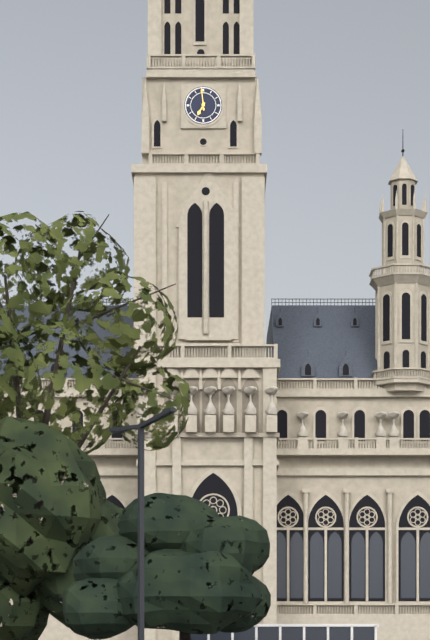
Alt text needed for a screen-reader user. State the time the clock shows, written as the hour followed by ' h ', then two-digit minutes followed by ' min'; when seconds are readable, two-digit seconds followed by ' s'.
6 h 59 min
